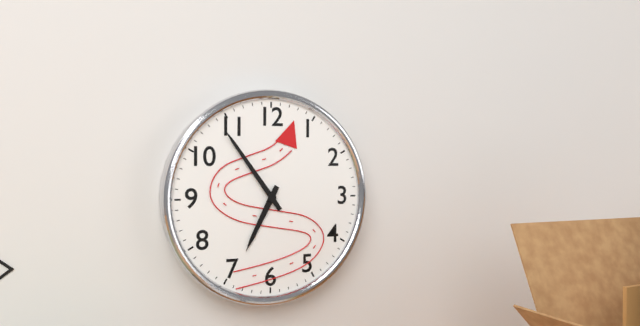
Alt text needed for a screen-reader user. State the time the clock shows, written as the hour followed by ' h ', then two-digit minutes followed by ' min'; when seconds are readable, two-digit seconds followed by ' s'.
6 h 54 min
